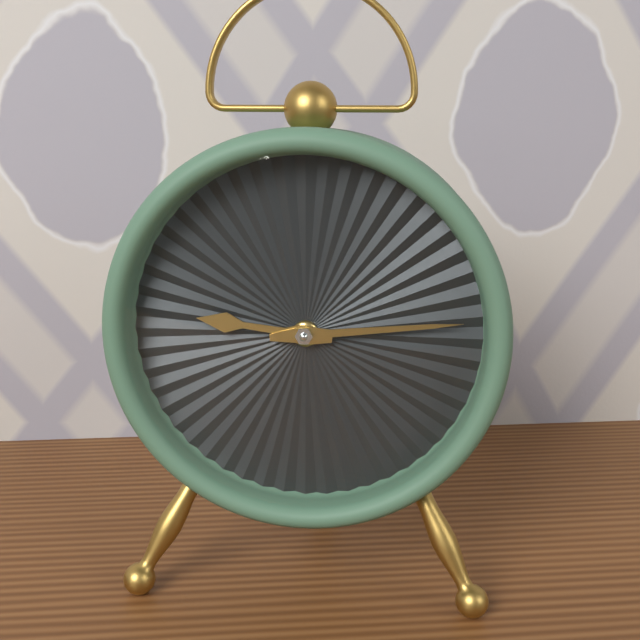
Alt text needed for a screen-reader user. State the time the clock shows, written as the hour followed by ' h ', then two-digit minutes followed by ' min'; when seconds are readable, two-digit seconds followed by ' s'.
9 h 14 min
